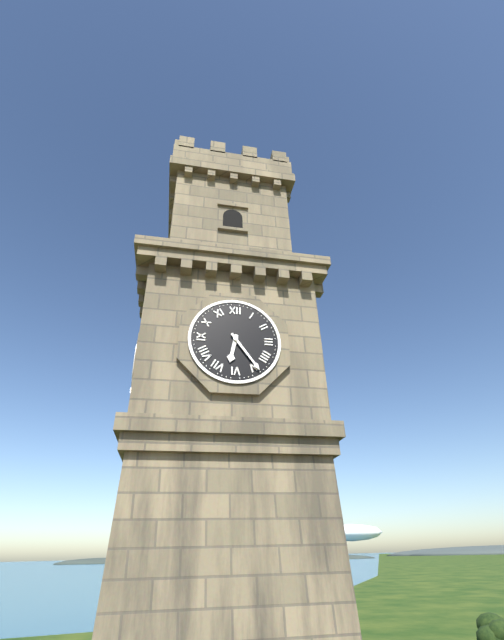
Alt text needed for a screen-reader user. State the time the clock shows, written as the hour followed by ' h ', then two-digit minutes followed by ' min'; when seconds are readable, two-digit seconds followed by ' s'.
6 h 24 min
